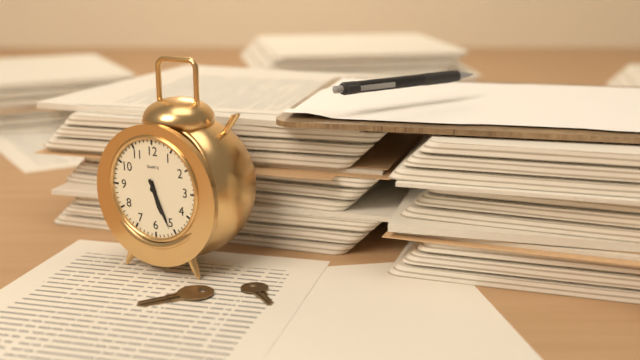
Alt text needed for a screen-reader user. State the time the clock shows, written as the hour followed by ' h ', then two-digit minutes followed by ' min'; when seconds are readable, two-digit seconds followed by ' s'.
5 h 26 min
